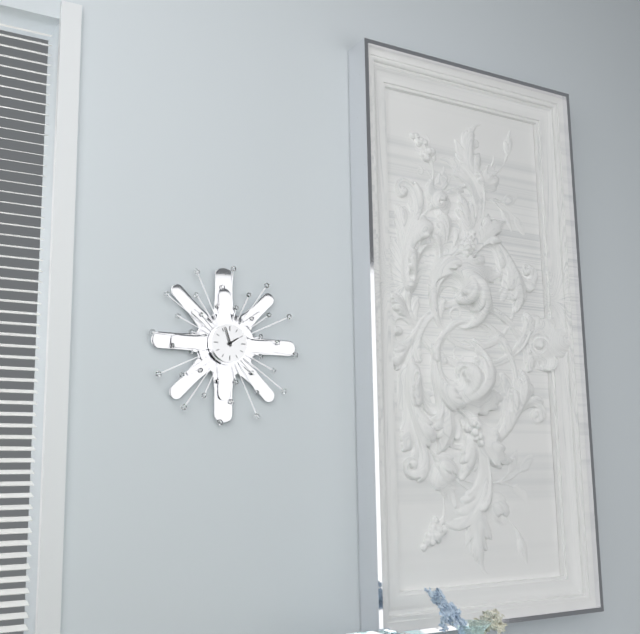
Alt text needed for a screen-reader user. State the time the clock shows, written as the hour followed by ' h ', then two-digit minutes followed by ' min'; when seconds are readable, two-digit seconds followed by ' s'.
1 h 57 min
